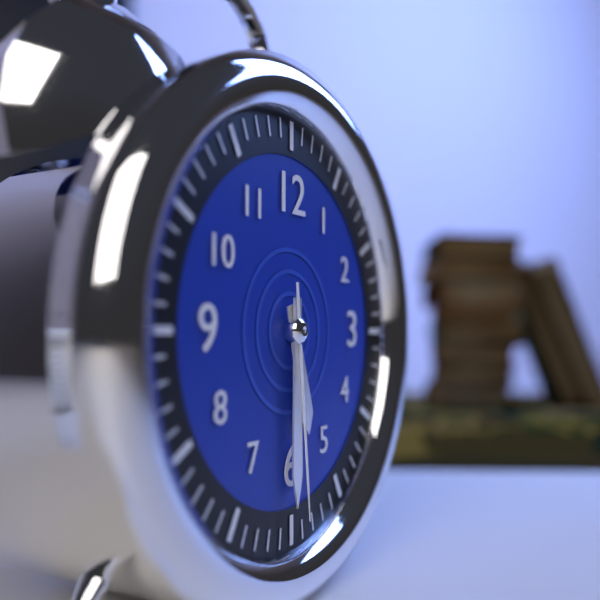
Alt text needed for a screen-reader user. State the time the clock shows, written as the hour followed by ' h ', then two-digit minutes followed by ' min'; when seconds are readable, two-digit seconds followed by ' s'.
5 h 30 min 29 s
